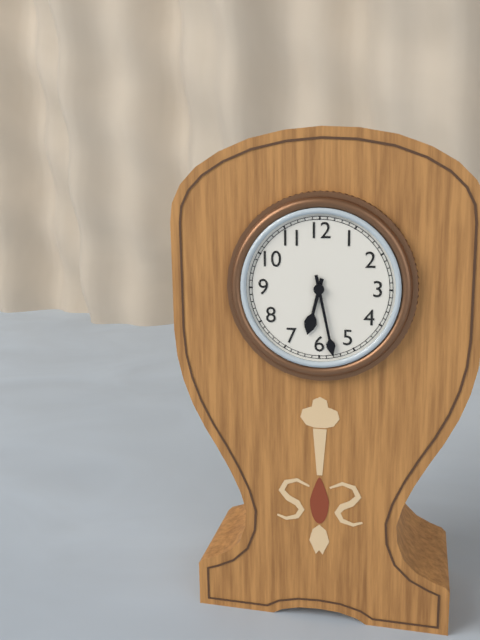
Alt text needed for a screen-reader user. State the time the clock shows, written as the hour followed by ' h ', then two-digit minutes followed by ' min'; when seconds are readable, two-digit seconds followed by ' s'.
6 h 28 min
